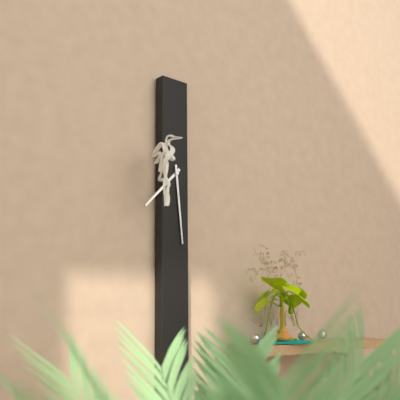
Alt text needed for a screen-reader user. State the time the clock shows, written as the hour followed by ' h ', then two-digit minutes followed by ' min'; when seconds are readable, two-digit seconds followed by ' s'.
7 h 29 min
